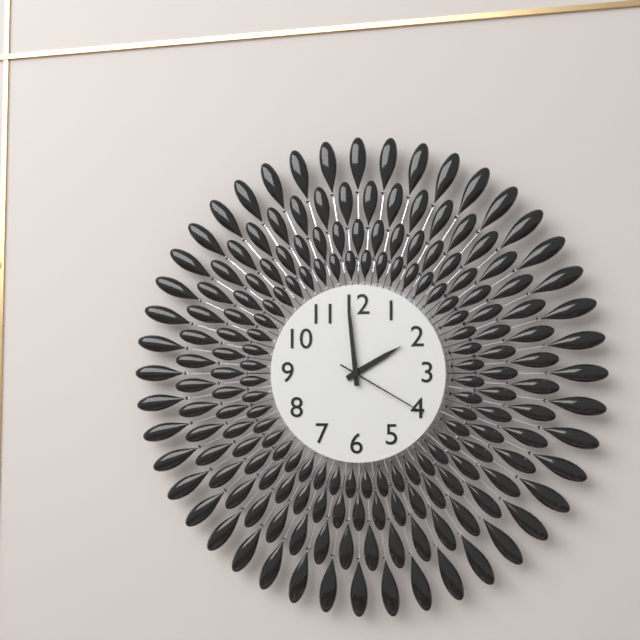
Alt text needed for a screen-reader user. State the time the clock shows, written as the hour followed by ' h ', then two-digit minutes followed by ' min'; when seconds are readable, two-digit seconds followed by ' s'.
1 h 59 min 20 s
